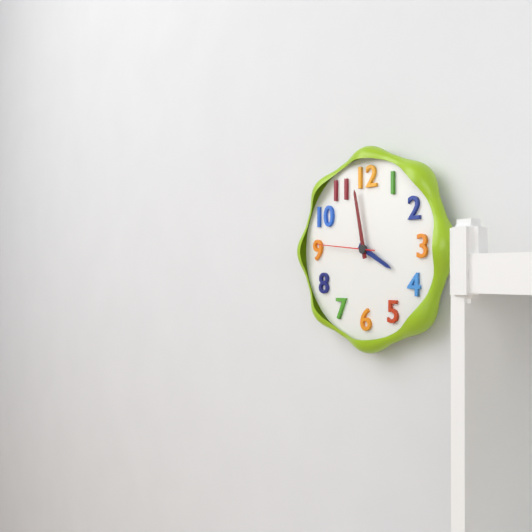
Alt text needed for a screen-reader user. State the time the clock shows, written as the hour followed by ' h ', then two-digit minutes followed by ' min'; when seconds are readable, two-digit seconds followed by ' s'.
3 h 58 min 46 s
